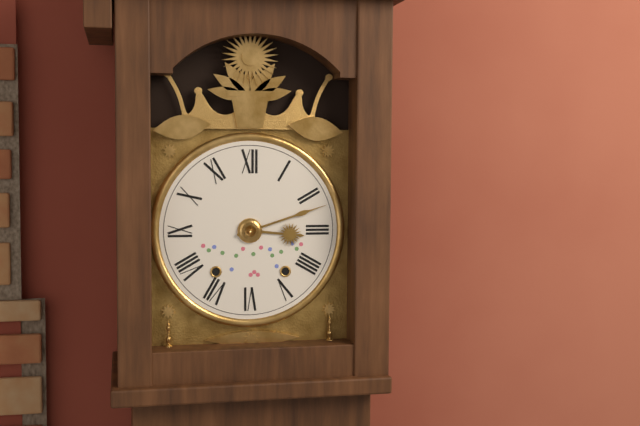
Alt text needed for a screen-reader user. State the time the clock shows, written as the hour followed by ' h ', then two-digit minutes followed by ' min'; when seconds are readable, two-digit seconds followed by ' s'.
3 h 12 min
